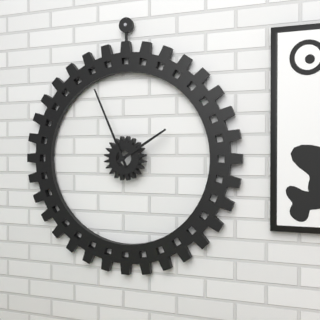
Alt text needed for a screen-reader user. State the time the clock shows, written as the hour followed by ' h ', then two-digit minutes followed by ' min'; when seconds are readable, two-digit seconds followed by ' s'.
1 h 56 min
